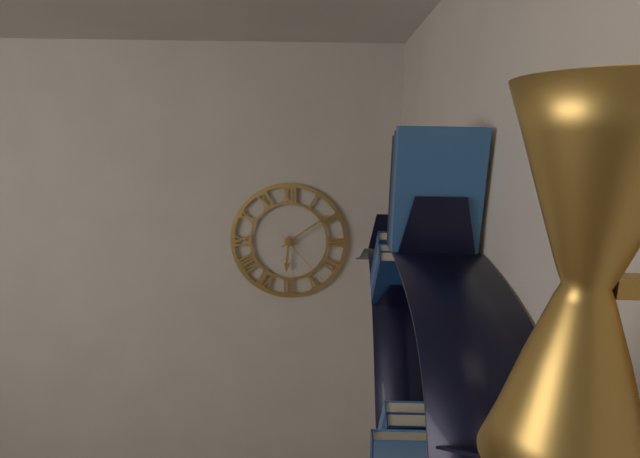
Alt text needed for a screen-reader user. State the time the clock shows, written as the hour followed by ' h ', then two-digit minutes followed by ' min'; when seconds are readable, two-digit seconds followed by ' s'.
6 h 09 min 23 s
